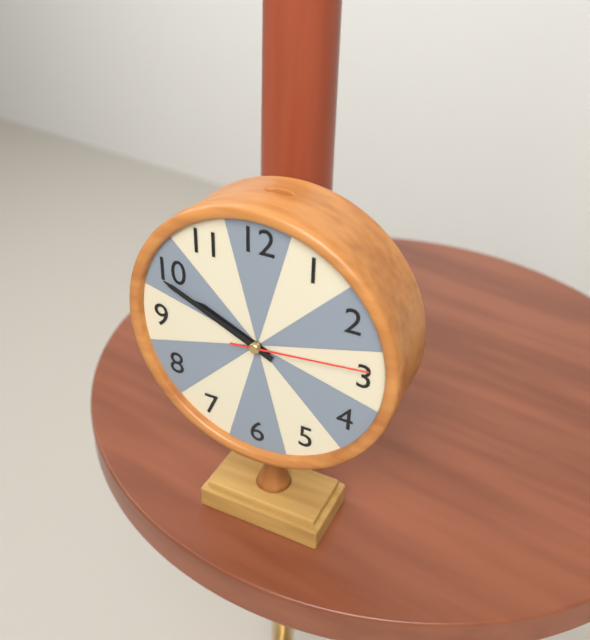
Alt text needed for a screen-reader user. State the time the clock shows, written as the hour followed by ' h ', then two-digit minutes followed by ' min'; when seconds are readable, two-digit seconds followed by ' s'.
9 h 49 min 14 s
